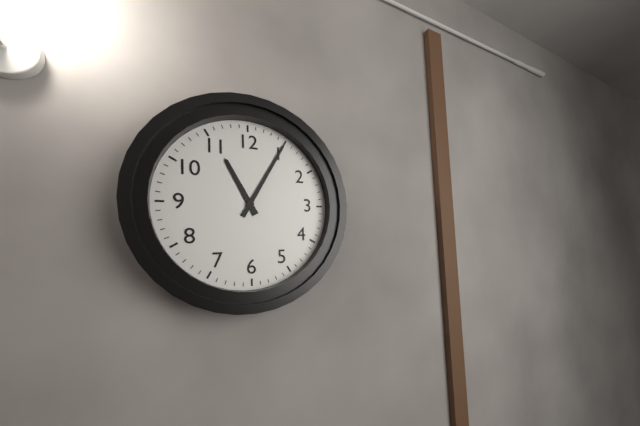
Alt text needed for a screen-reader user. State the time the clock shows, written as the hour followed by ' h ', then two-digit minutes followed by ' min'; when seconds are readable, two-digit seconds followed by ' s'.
11 h 05 min
